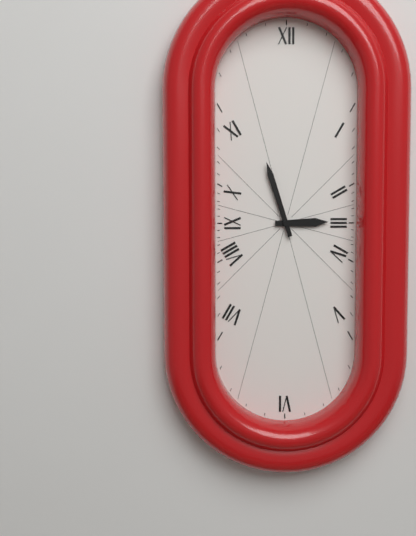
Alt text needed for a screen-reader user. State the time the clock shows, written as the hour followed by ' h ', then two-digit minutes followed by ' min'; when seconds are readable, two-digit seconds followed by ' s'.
2 h 57 min
